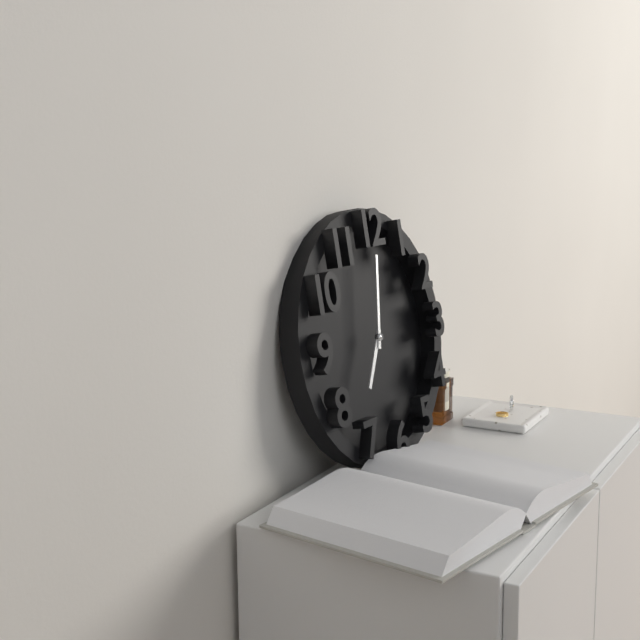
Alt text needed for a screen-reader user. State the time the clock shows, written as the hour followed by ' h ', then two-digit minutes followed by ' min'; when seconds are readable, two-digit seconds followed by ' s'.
7 h 02 min
